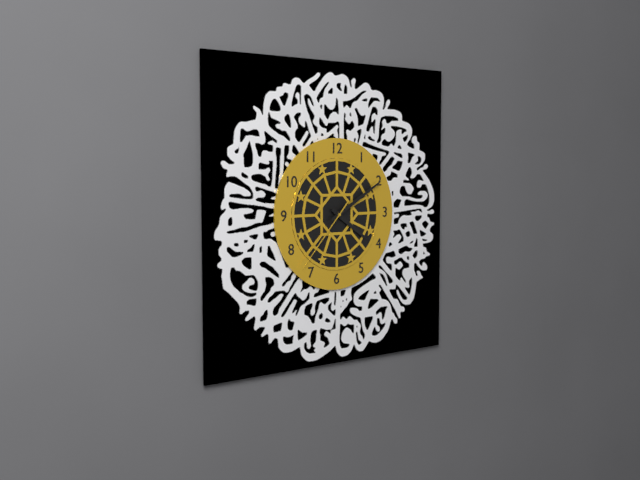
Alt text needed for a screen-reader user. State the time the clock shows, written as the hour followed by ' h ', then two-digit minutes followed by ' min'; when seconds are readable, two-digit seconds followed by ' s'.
4 h 10 min 37 s
